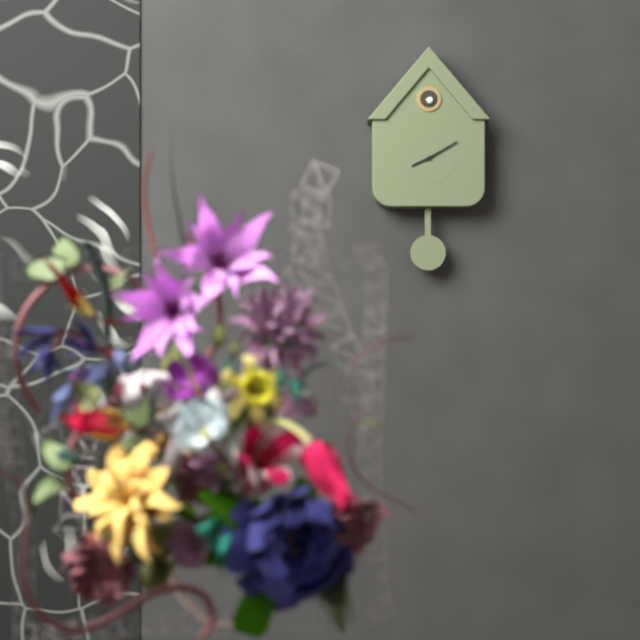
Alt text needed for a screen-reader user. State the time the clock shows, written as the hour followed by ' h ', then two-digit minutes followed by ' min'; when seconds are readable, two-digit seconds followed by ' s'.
8 h 10 min
